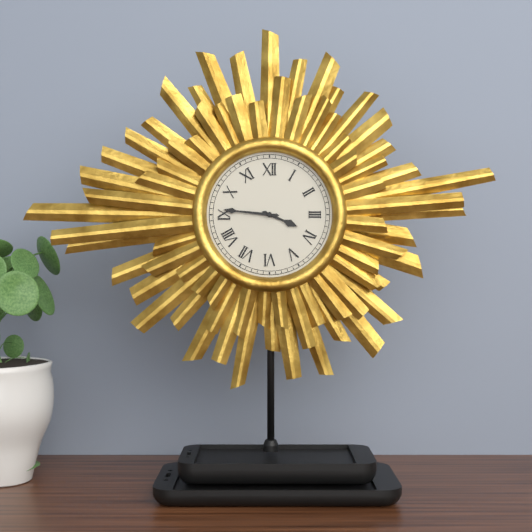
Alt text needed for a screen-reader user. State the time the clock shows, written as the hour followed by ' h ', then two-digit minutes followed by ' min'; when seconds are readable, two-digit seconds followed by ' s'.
3 h 46 min
